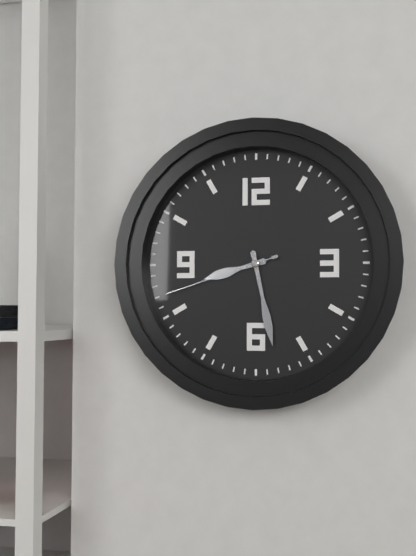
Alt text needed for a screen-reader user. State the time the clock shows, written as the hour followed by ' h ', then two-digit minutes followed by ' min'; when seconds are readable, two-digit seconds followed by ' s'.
8 h 28 min 42 s
